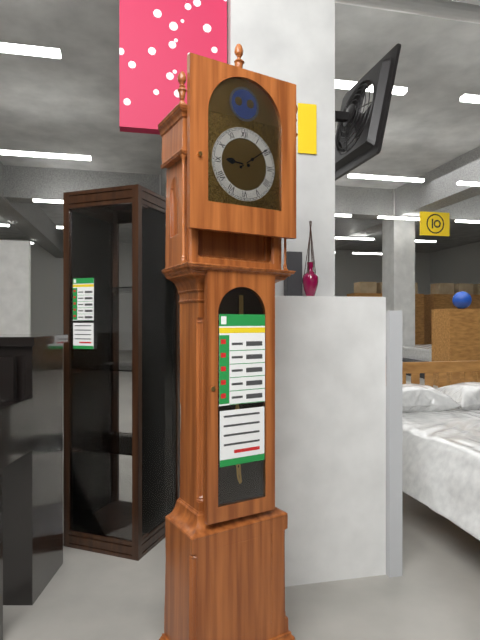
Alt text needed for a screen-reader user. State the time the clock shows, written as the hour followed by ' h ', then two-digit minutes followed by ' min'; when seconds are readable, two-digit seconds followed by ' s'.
9 h 09 min
